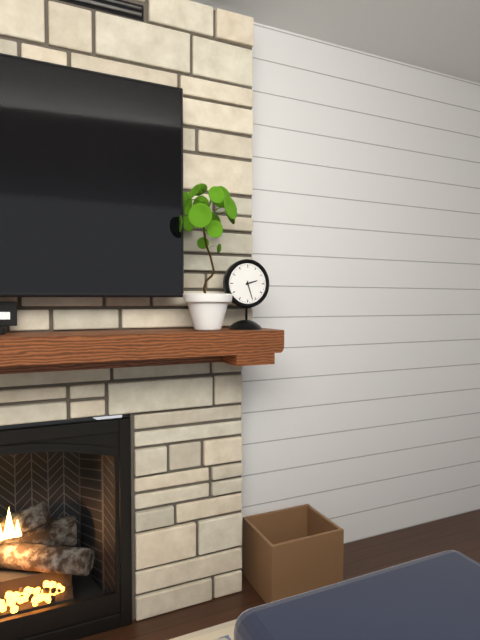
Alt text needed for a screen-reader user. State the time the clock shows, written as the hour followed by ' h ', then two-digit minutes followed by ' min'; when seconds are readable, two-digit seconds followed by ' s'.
2 h 27 min
